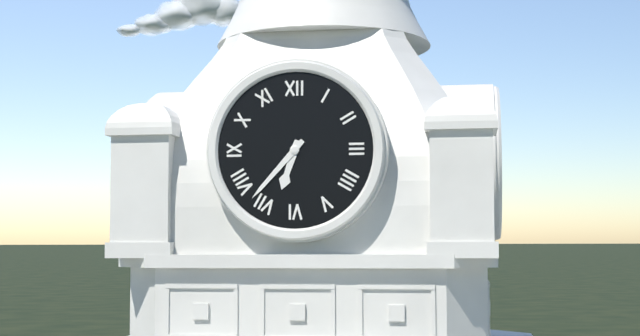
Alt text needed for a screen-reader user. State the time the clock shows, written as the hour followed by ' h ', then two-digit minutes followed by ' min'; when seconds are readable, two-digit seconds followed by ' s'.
6 h 37 min
